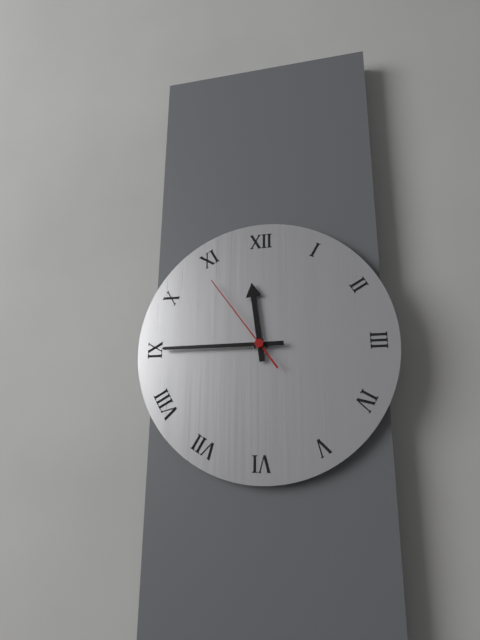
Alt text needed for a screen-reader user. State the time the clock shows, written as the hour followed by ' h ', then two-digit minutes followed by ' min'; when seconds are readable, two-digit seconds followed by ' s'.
11 h 45 min 54 s
